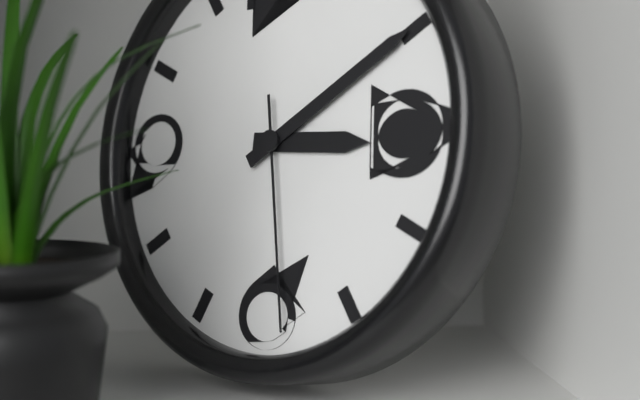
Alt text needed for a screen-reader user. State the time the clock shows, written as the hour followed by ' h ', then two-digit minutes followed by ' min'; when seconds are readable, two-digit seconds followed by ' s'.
3 h 10 min 29 s
